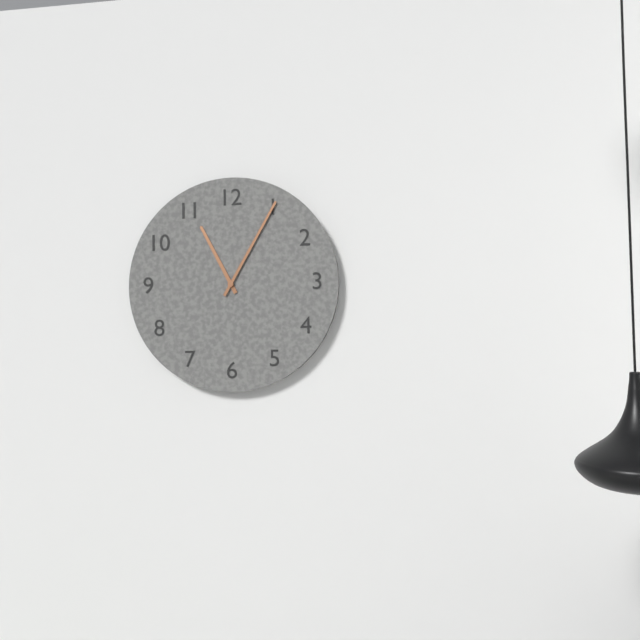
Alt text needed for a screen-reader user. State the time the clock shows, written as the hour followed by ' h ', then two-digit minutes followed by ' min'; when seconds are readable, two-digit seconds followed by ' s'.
11 h 05 min
